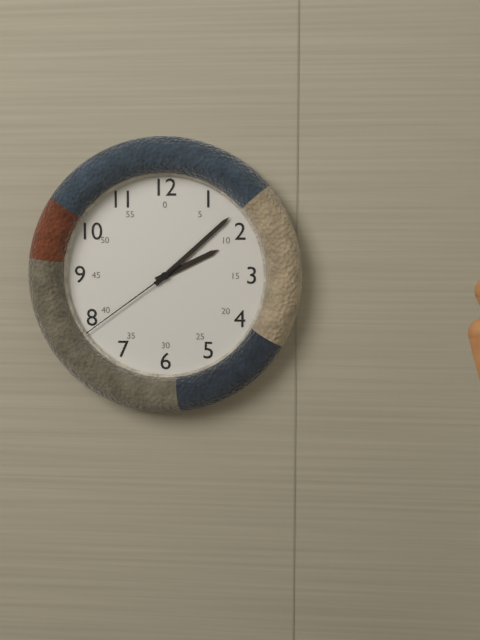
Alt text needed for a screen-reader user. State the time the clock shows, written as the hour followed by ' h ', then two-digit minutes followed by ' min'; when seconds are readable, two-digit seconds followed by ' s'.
2 h 08 min 39 s
